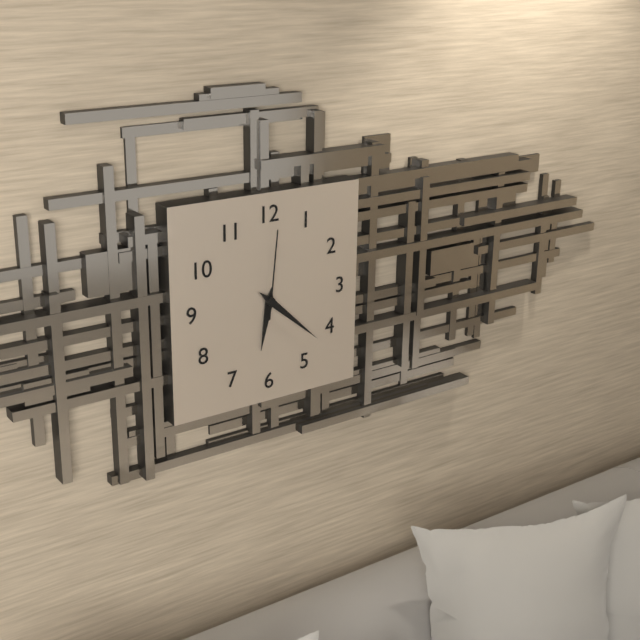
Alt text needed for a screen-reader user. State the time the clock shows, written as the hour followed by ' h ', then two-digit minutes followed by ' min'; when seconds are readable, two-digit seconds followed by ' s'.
6 h 22 min 01 s
